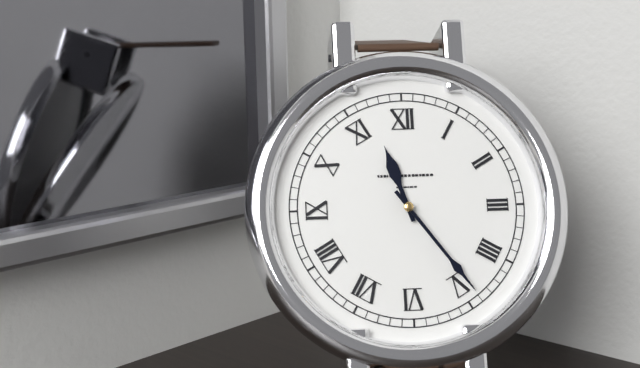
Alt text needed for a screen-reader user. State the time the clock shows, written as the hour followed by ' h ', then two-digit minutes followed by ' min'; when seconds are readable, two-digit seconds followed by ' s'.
11 h 24 min
